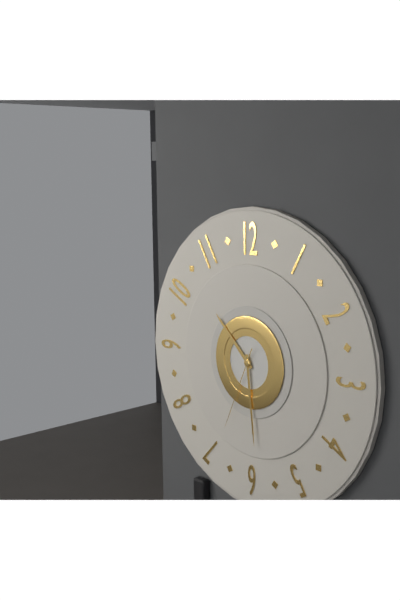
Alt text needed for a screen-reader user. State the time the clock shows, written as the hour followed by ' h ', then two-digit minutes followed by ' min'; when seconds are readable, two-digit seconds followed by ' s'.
10 h 29 min 34 s
